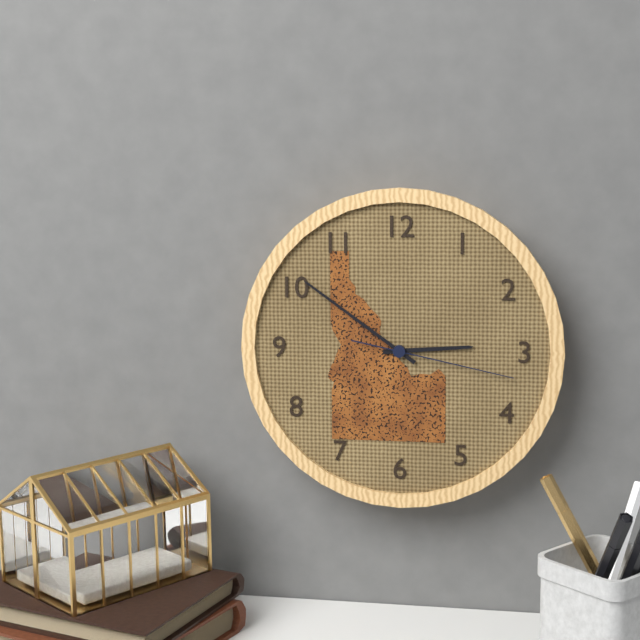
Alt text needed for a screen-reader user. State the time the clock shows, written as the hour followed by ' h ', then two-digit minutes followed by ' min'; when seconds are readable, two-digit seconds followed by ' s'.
2 h 51 min 17 s
